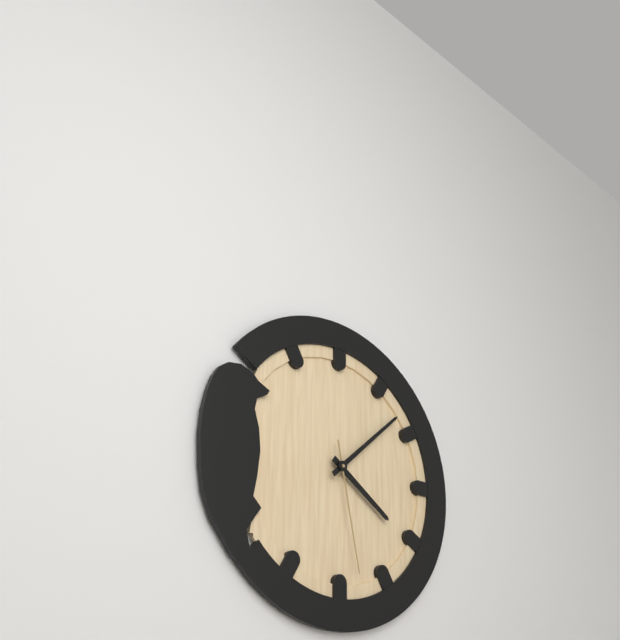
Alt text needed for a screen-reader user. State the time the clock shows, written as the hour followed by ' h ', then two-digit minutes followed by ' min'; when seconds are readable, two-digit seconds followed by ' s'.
4 h 08 min 28 s
